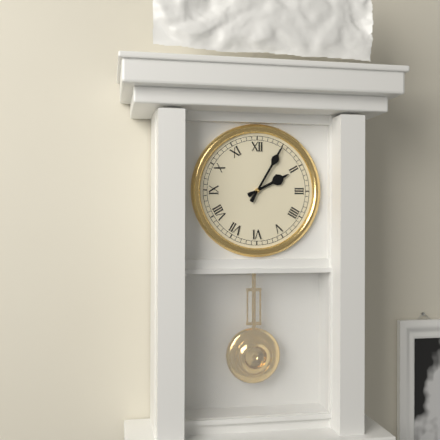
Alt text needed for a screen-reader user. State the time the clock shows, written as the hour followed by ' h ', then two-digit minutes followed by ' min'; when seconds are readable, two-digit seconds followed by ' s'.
2 h 05 min
